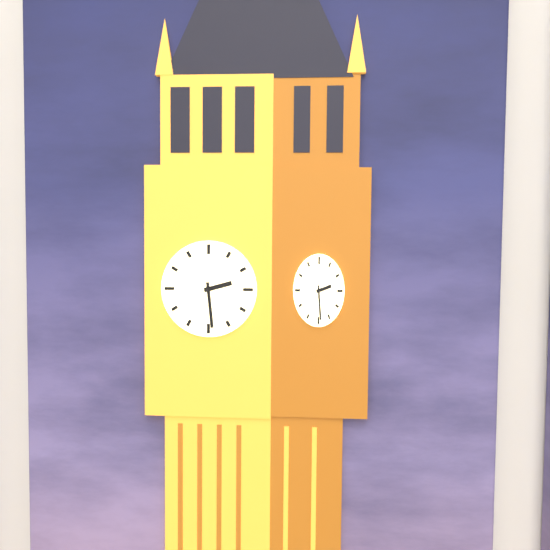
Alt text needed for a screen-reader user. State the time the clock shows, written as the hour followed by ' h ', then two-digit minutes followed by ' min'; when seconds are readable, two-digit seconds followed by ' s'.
2 h 29 min
